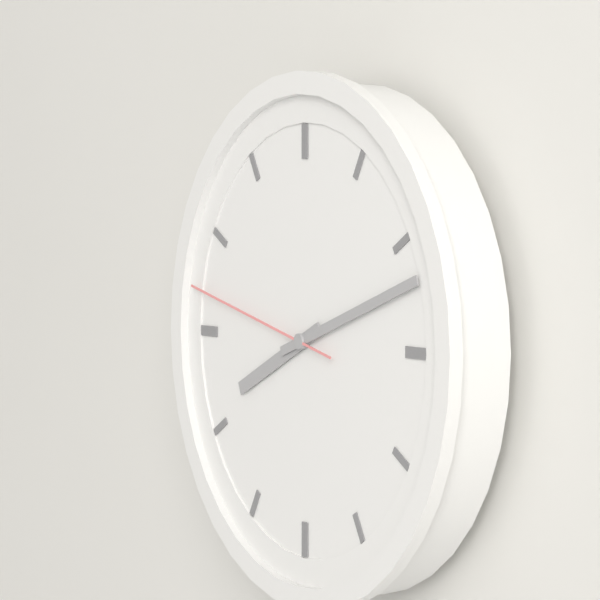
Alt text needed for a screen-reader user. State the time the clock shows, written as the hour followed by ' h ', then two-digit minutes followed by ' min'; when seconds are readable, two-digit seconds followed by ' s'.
8 h 12 min 47 s
